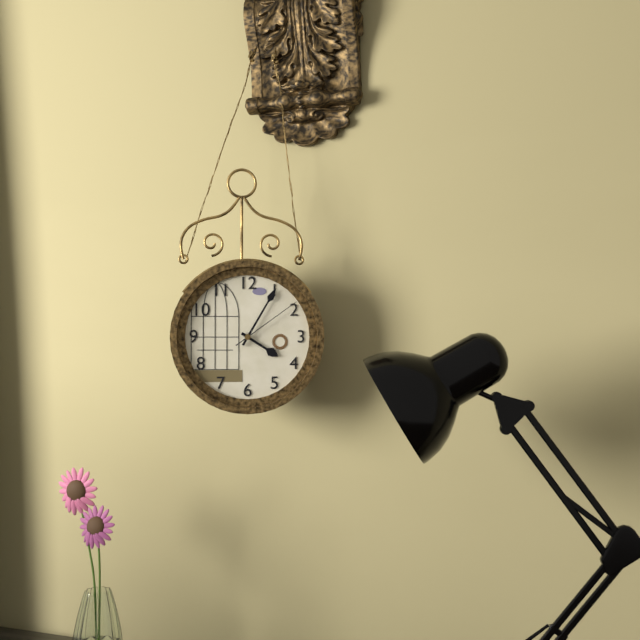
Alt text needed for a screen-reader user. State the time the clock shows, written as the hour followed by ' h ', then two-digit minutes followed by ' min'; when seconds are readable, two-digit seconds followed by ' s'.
4 h 05 min 09 s
